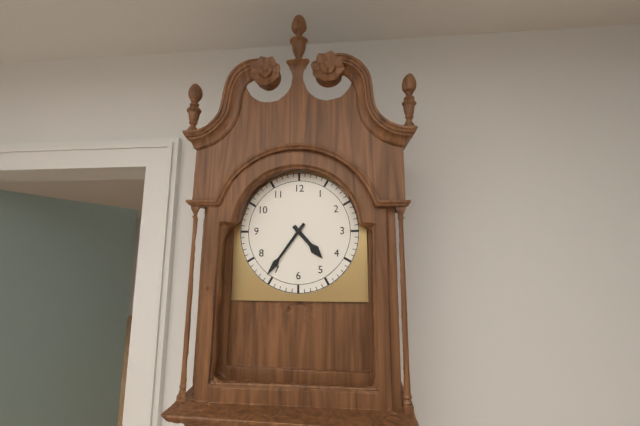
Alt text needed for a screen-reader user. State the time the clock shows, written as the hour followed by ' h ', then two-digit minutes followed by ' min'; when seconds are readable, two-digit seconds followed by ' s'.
4 h 36 min
